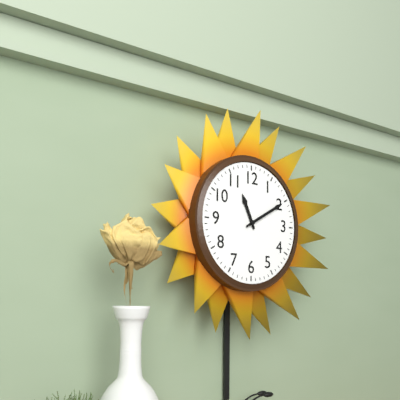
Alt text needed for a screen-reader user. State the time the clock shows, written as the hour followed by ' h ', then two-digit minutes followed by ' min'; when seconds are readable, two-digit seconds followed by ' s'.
11 h 10 min
